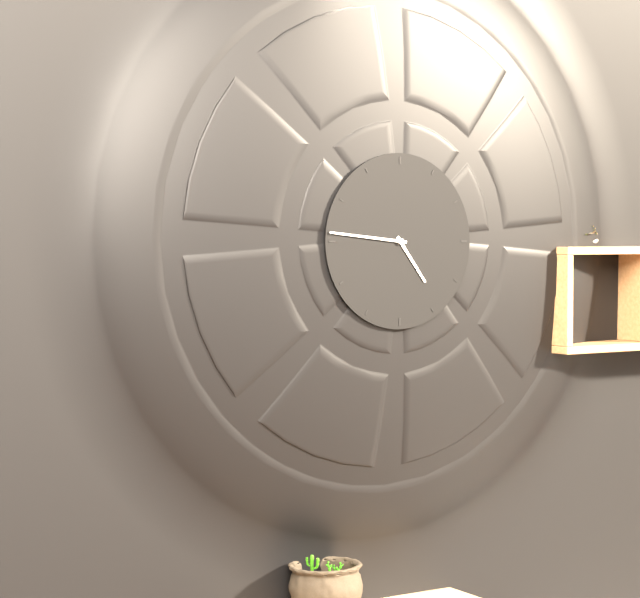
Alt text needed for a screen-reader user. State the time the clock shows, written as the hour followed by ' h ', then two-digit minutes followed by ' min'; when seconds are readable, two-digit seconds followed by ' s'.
4 h 46 min
